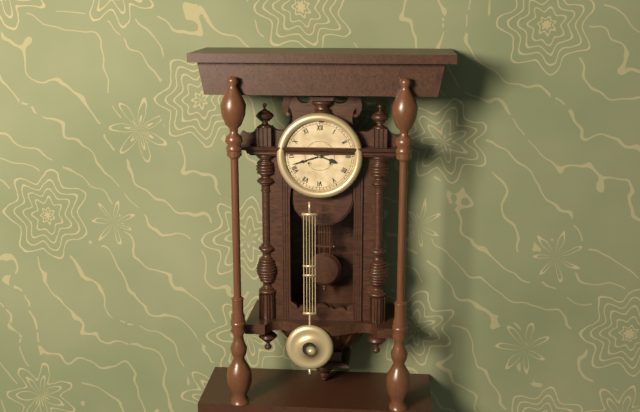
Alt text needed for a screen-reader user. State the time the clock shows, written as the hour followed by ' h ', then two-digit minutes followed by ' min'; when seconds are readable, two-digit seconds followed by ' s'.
3 h 42 min
